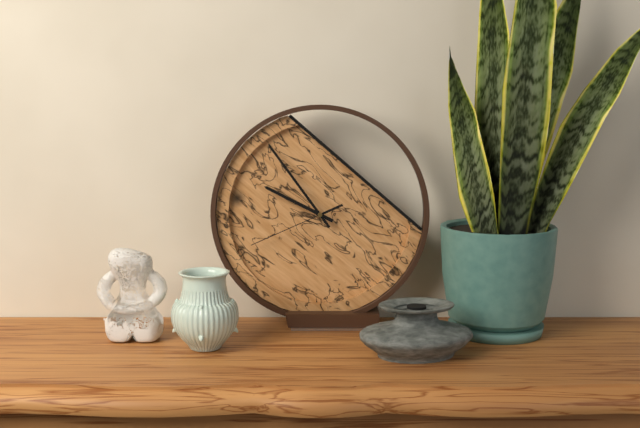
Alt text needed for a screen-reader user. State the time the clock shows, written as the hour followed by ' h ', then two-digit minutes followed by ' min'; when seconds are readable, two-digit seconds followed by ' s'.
9 h 54 min 41 s
